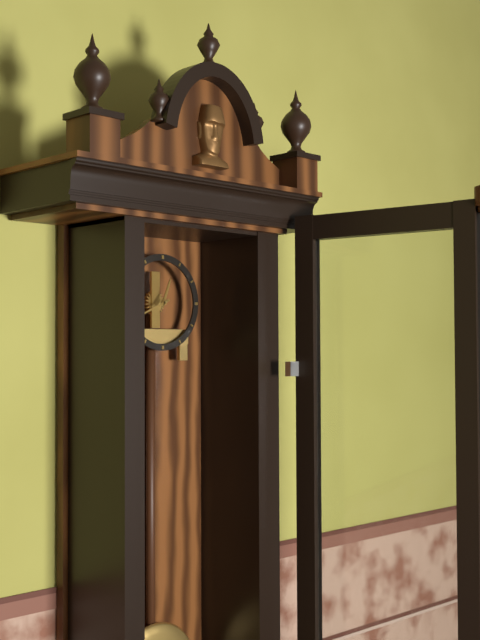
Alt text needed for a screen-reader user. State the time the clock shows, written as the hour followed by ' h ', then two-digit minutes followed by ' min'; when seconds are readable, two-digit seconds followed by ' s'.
12 h 41 min
